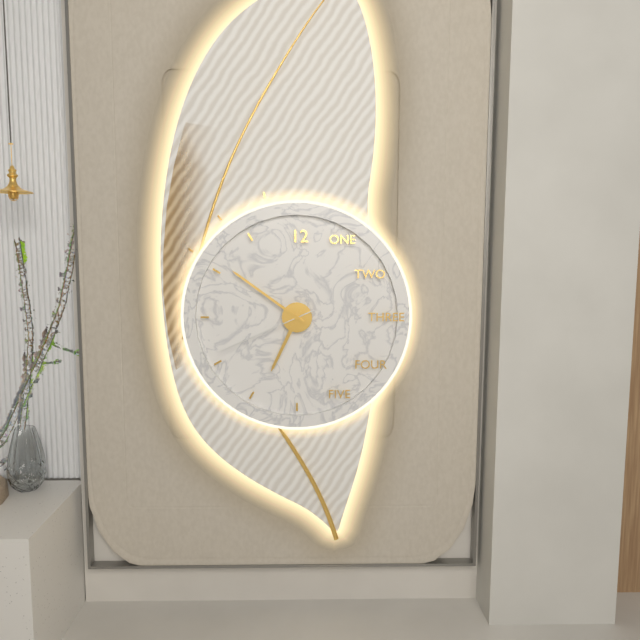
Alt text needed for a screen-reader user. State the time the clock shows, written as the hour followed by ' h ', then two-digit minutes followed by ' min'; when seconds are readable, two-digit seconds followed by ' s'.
6 h 51 min 41 s
